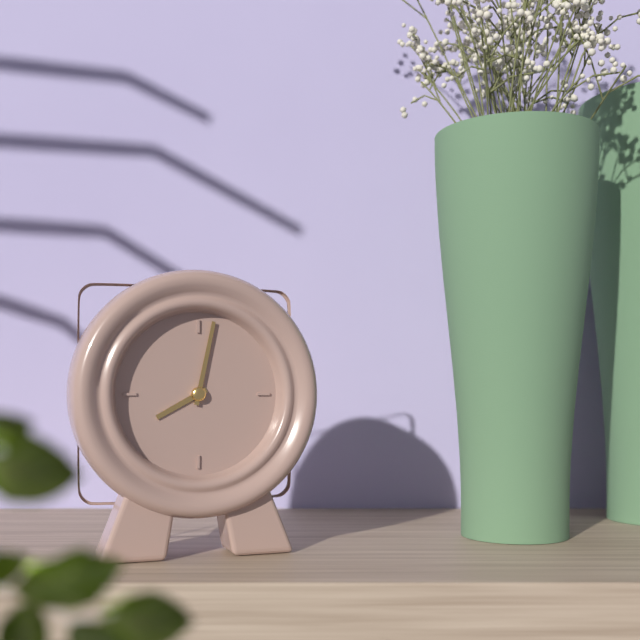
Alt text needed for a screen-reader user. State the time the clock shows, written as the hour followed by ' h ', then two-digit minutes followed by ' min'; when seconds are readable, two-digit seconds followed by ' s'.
8 h 02 min
